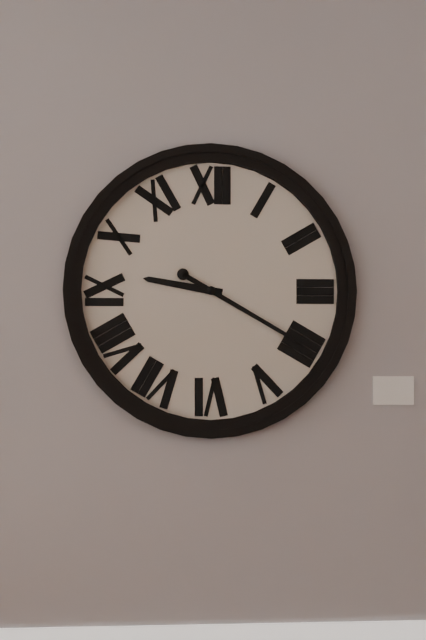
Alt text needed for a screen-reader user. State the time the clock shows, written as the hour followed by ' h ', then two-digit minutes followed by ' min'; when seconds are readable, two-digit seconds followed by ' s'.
9 h 20 min
